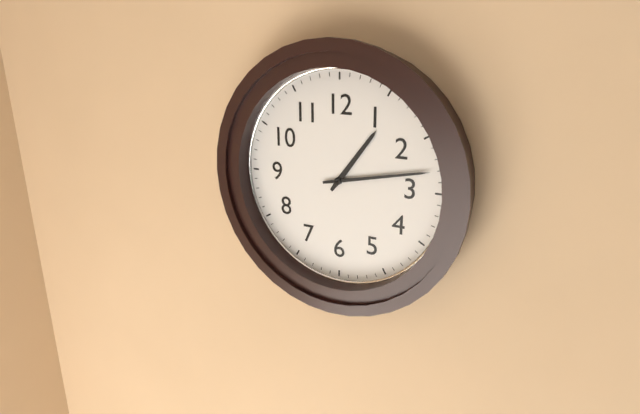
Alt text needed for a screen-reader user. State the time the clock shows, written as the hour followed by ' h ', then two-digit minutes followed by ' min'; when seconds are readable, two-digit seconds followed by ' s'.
1 h 13 min
